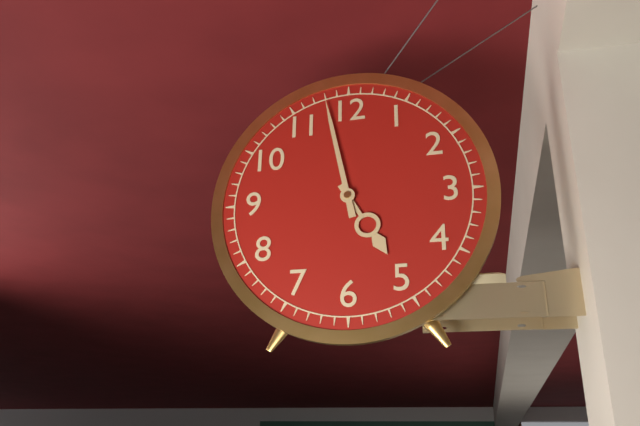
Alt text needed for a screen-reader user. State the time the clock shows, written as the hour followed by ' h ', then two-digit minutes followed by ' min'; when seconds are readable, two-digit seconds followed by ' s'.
4 h 58 min
